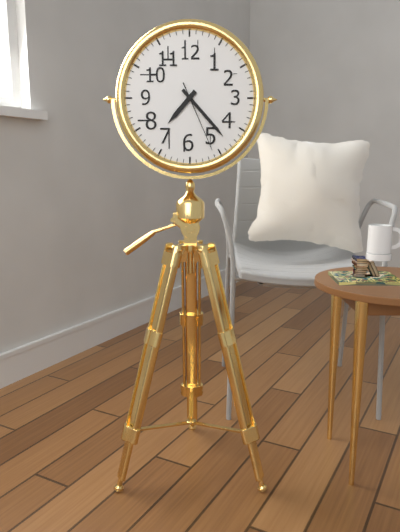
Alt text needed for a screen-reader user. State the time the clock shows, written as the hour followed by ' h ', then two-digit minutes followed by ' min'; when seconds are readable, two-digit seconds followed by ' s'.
7 h 23 min 26 s
